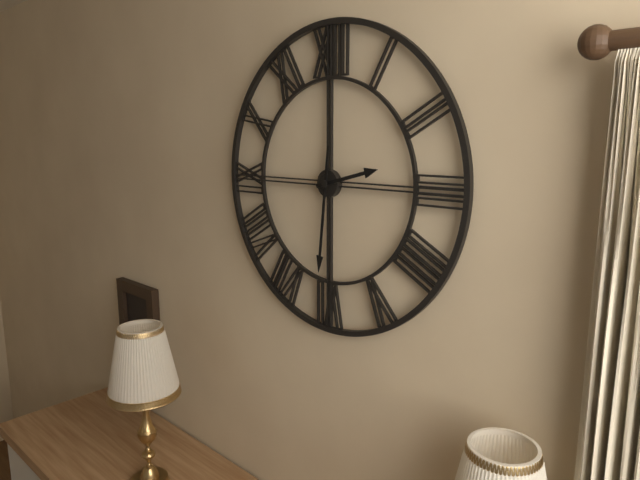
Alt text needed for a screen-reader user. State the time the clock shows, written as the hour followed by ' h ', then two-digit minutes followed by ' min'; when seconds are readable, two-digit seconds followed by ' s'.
2 h 31 min
